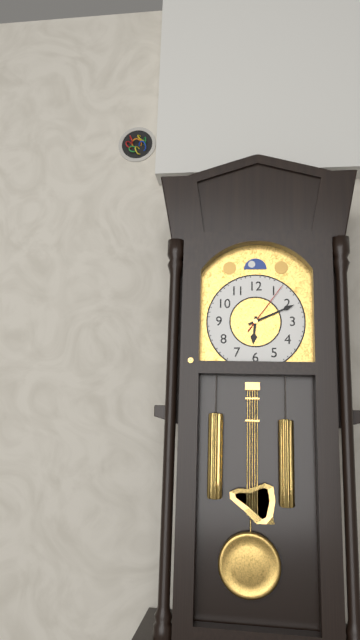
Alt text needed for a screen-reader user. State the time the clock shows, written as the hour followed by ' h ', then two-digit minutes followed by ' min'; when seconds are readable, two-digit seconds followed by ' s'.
6 h 11 min 06 s
